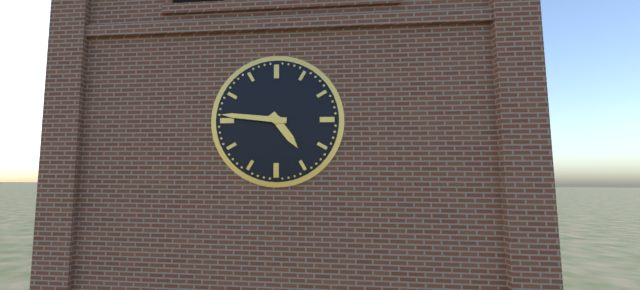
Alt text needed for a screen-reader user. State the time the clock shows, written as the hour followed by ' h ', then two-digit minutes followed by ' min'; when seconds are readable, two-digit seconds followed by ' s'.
4 h 46 min
